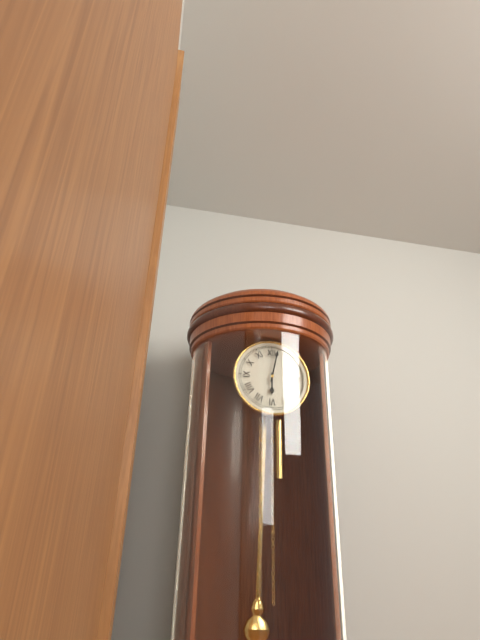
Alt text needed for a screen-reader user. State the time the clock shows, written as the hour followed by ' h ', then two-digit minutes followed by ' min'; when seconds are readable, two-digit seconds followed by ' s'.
6 h 02 min
